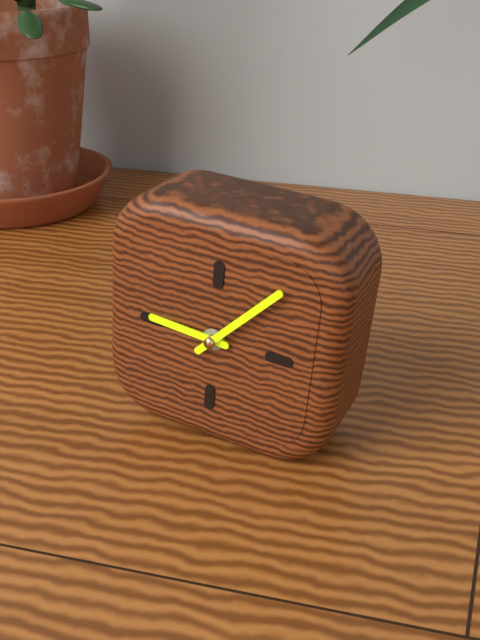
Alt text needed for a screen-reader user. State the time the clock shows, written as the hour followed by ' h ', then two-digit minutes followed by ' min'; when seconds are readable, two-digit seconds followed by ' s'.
9 h 07 min
